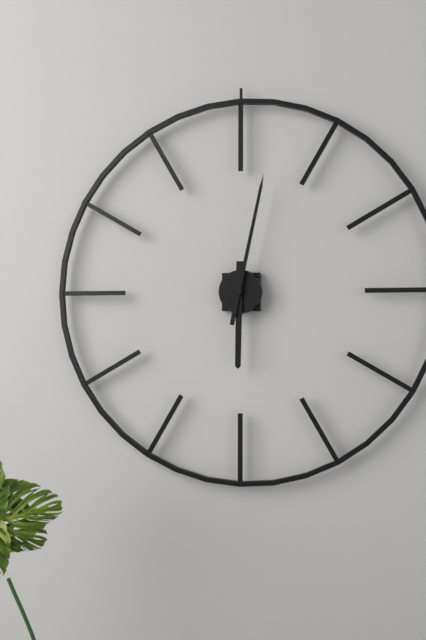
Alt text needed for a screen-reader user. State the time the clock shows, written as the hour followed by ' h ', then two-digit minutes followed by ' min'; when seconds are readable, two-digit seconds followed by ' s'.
6 h 02 min
